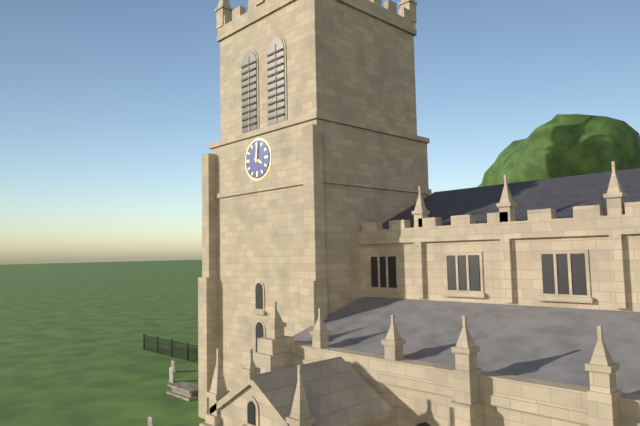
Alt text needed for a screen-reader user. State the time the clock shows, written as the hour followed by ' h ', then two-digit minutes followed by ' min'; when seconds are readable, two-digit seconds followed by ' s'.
4 h 01 min
